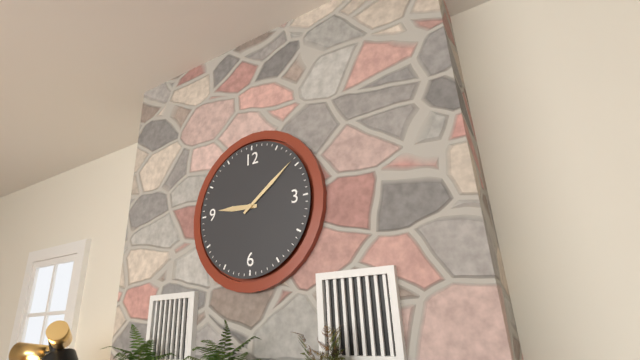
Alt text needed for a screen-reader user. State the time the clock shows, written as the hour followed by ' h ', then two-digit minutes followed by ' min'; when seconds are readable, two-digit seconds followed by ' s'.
9 h 09 min
